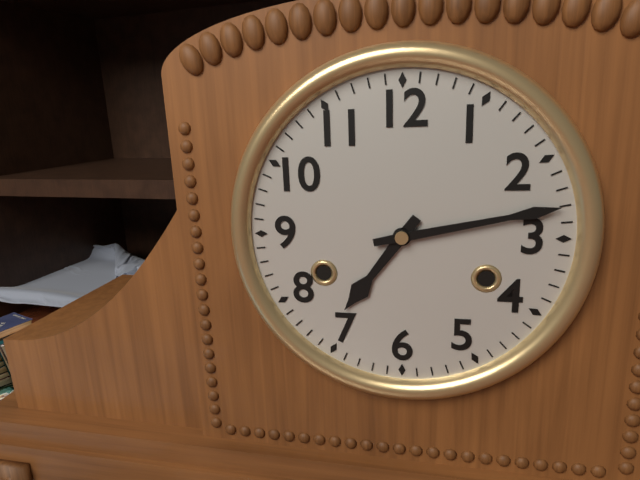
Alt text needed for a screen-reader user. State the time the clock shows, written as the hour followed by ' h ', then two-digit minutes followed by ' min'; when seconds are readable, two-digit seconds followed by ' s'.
7 h 13 min
